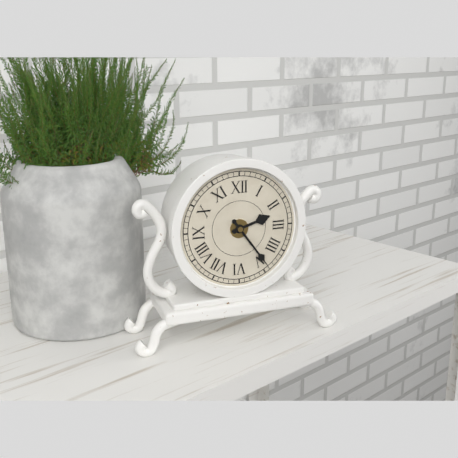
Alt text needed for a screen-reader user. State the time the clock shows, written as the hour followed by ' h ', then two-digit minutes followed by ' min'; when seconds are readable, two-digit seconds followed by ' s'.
2 h 24 min
